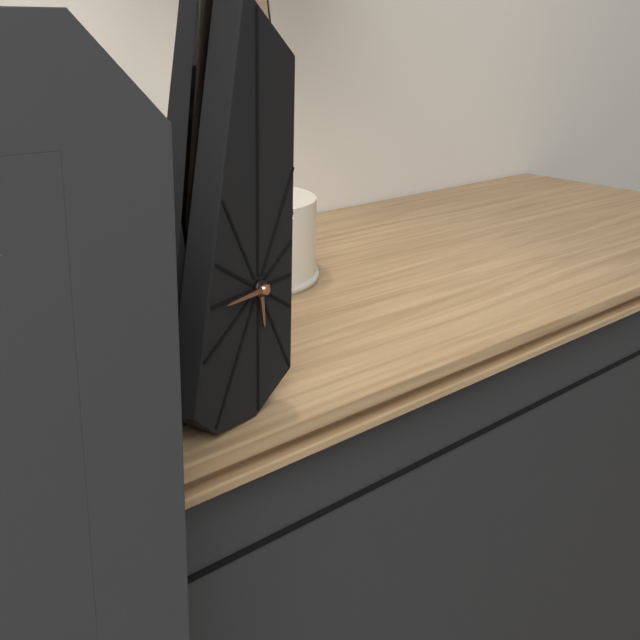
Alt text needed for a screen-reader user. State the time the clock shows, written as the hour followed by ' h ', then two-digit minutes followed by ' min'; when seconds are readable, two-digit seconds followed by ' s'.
5 h 45 min
